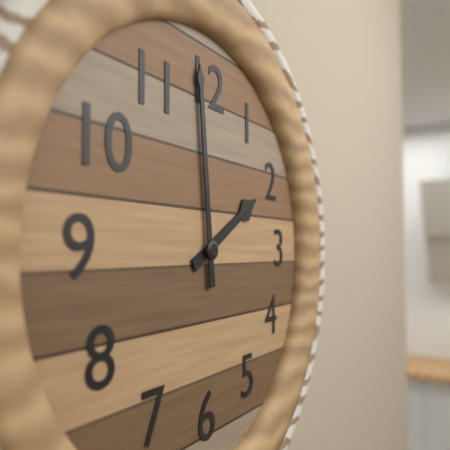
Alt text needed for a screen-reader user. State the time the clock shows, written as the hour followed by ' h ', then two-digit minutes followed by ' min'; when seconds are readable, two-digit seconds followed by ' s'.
1 h 59 min
